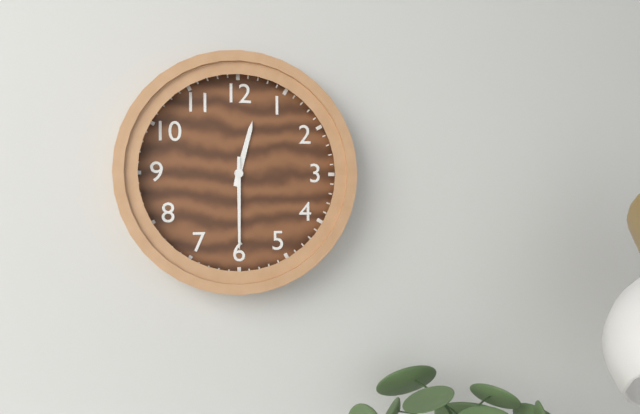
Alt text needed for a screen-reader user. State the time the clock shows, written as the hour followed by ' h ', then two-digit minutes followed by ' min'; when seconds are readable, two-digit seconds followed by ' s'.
12 h 30 min
